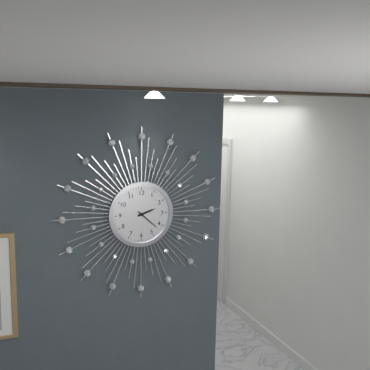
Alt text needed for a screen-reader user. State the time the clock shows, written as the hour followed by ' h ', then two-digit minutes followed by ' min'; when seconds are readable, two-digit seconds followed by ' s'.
2 h 22 min
